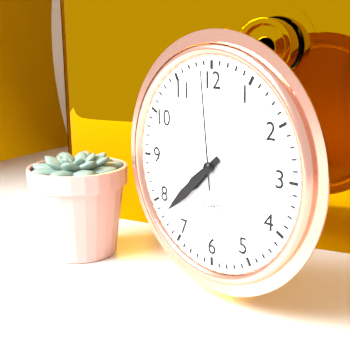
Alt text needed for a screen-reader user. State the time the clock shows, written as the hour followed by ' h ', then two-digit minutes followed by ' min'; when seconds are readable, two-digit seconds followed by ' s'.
7 h 38 min 59 s
